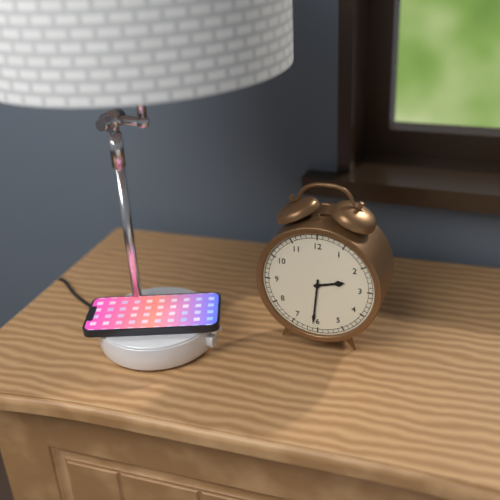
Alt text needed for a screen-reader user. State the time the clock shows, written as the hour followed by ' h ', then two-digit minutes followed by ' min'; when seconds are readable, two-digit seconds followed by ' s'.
2 h 31 min
